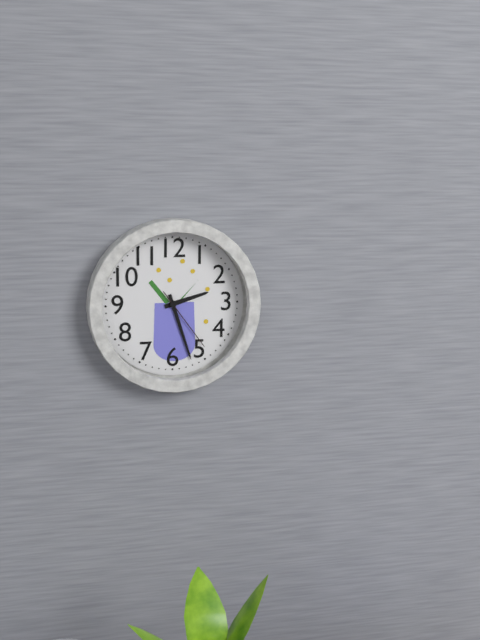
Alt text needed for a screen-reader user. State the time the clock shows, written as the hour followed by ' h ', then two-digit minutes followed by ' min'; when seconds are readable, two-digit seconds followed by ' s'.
2 h 27 min 24 s
